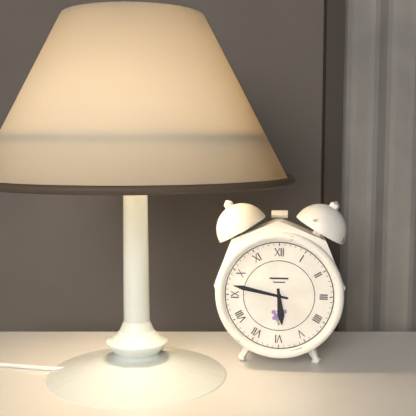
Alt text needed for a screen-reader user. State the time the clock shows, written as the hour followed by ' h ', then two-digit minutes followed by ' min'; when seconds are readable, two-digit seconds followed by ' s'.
5 h 47 min
